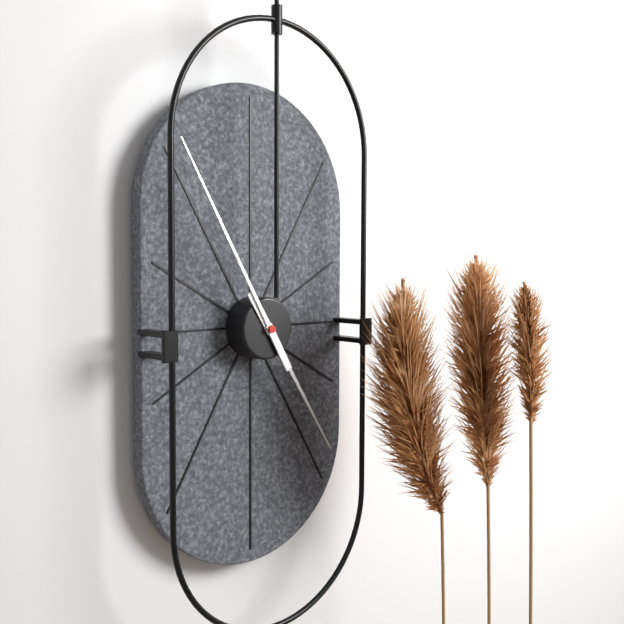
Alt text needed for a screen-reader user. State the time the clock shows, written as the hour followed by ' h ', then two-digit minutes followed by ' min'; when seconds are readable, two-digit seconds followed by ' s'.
4 h 55 min
